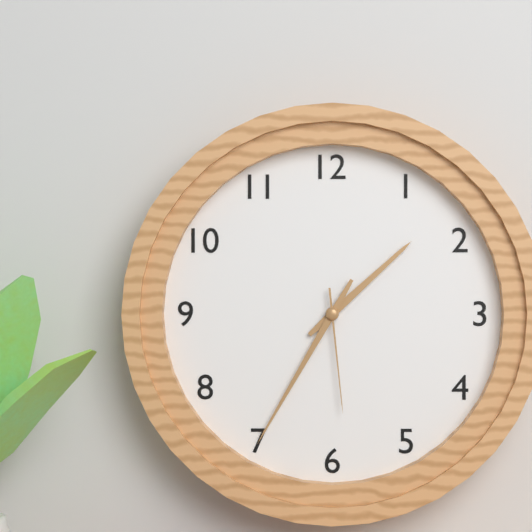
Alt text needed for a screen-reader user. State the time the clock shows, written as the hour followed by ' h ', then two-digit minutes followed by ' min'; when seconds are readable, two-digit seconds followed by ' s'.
1 h 35 min 29 s
